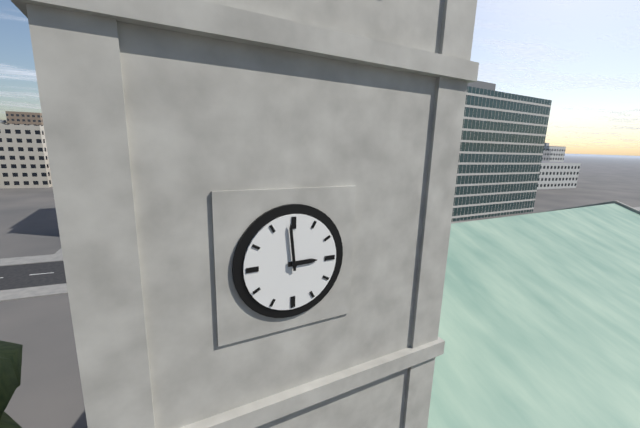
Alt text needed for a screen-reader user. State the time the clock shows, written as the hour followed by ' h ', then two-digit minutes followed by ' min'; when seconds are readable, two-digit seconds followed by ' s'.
2 h 59 min
